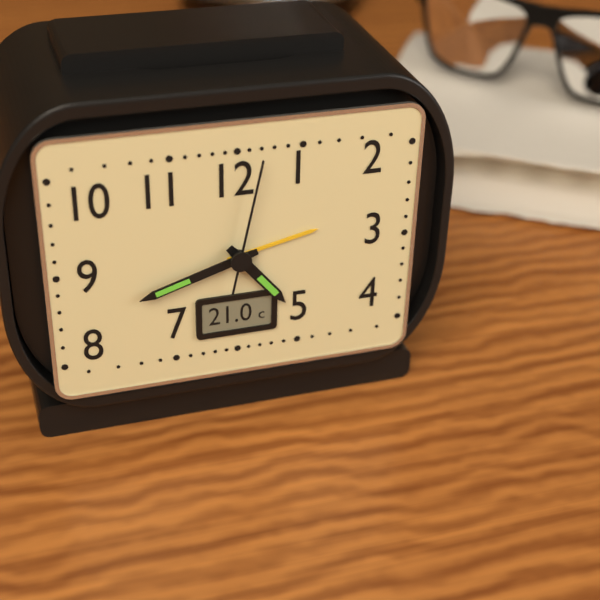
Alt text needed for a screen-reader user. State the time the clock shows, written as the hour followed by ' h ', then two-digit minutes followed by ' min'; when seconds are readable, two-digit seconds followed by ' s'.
4 h 42 min 02 s
